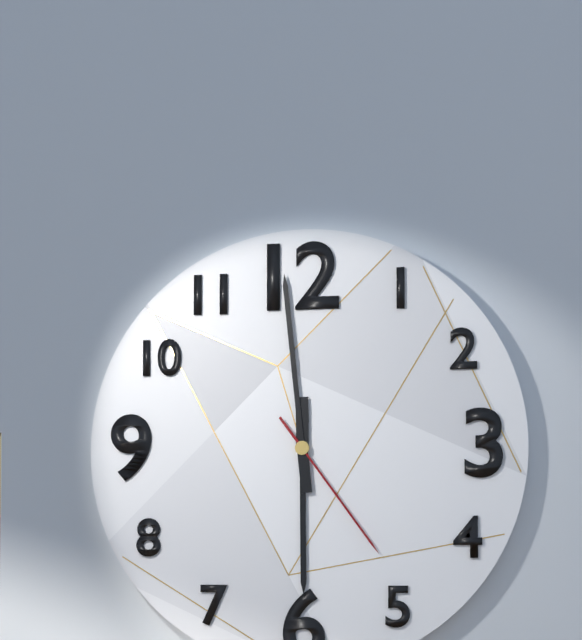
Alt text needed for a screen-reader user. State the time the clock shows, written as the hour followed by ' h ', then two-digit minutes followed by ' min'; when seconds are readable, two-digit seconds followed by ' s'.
5 h 59 min 24 s
